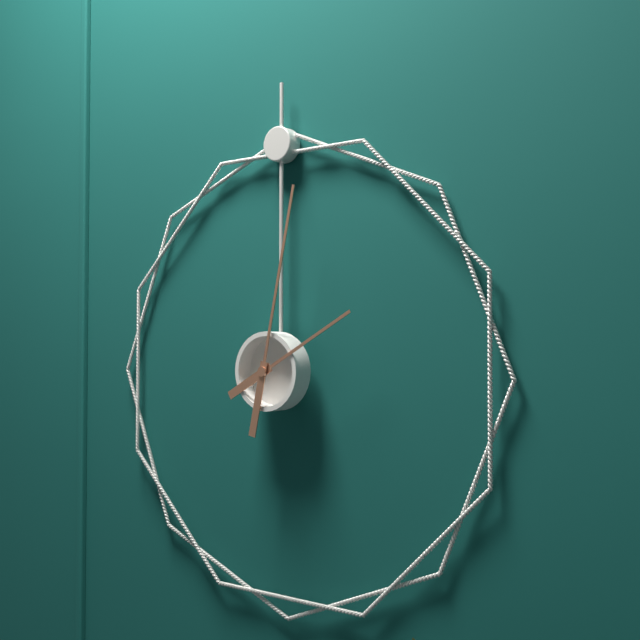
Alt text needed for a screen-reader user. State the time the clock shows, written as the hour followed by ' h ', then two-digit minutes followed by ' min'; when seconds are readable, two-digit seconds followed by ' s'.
2 h 02 min
